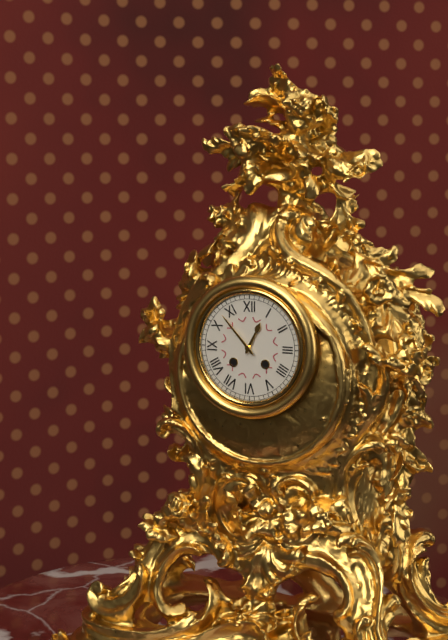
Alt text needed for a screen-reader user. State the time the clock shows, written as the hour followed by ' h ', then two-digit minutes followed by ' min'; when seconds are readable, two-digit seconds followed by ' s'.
12 h 53 min
